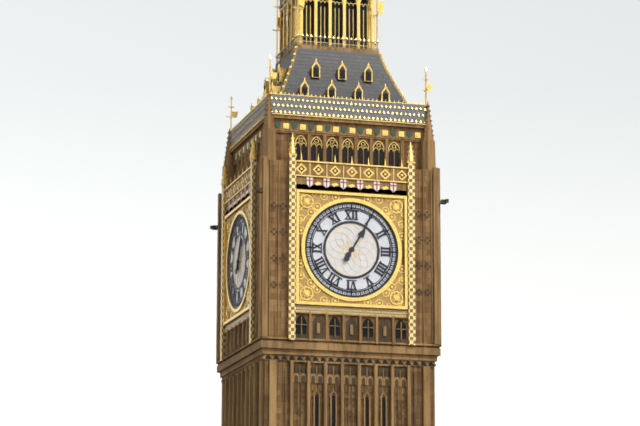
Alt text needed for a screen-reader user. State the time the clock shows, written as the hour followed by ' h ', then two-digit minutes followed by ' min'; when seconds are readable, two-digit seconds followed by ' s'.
1 h 05 min
